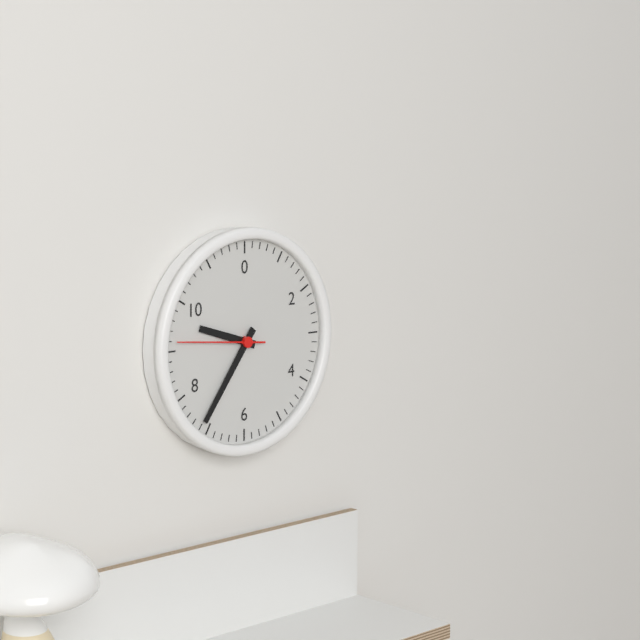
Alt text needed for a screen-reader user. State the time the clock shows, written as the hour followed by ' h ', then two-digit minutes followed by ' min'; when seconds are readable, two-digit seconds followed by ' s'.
9 h 36 min 46 s
